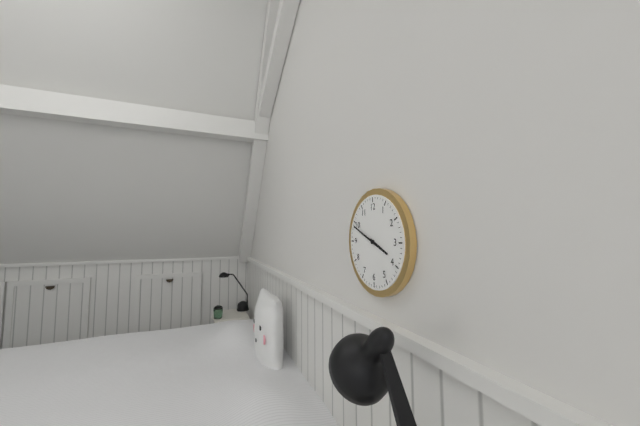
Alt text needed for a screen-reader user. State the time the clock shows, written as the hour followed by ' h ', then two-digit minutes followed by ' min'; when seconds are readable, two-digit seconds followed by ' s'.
3 h 49 min
